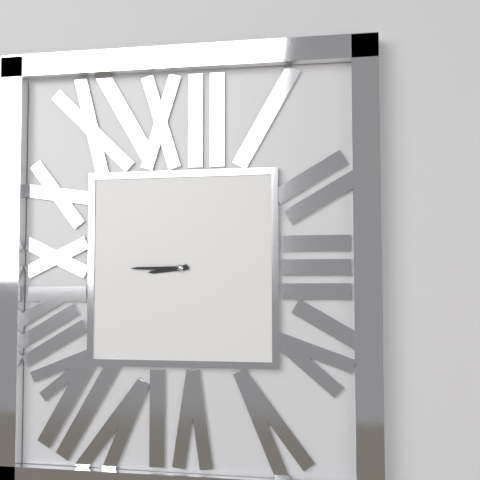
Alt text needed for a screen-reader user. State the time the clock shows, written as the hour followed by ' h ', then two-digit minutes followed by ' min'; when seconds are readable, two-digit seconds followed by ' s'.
8 h 45 min
